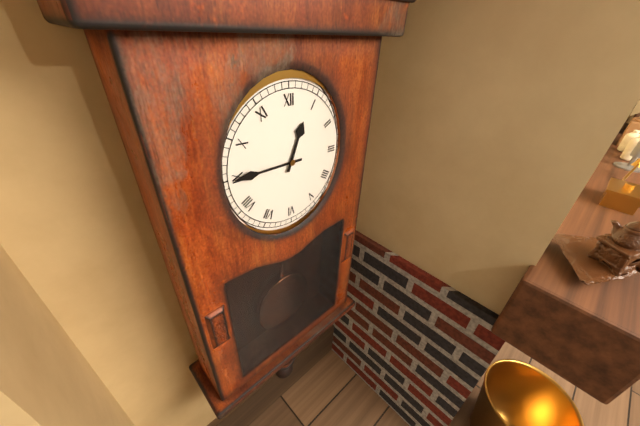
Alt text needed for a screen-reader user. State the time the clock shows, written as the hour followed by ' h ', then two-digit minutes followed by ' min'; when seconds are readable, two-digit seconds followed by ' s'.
12 h 45 min
